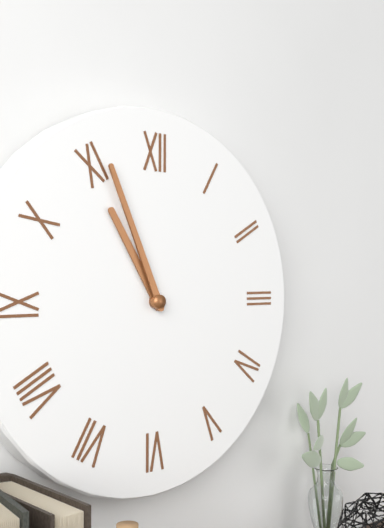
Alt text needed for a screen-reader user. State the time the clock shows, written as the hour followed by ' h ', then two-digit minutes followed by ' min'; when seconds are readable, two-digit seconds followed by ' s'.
10 h 56 min
